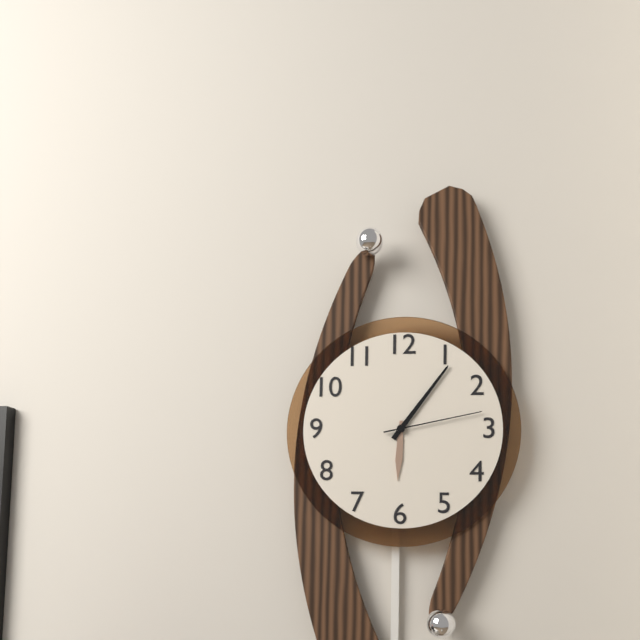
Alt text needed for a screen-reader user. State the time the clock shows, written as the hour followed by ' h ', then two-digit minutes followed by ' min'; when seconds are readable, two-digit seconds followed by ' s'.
6 h 06 min 13 s
